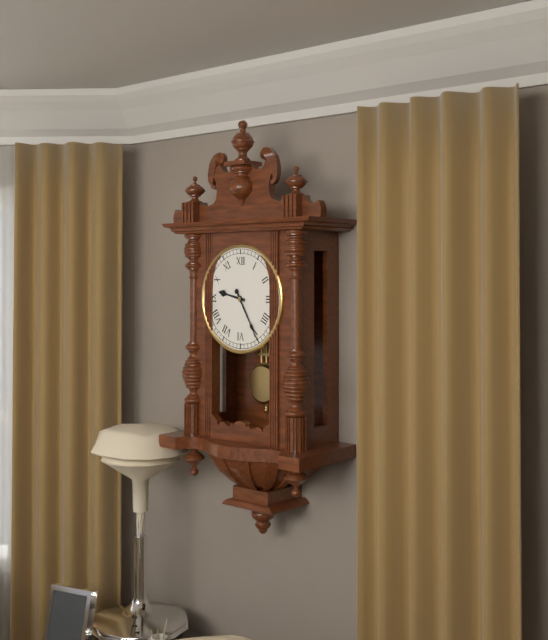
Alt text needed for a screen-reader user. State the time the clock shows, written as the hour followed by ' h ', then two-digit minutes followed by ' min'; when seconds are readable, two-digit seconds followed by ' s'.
9 h 25 min
